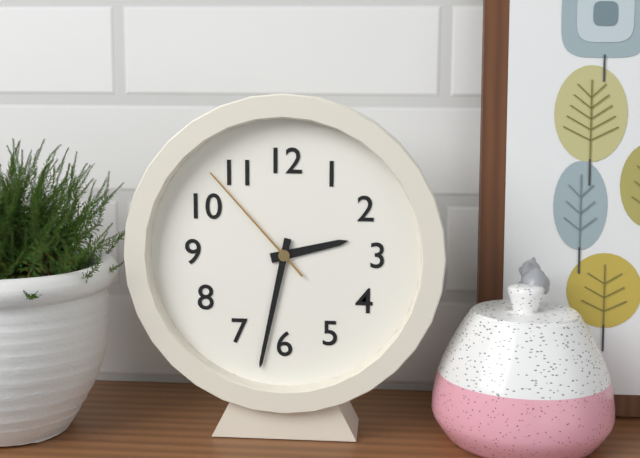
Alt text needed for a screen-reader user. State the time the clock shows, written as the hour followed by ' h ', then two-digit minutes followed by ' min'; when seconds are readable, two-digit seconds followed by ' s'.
2 h 32 min 53 s
